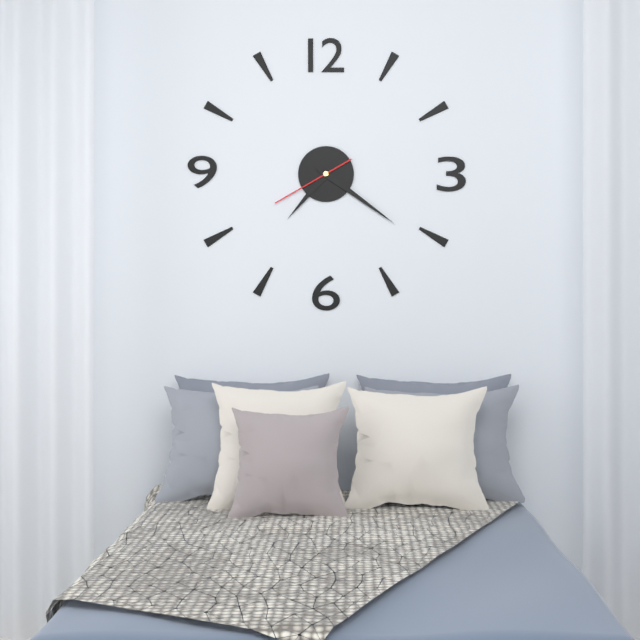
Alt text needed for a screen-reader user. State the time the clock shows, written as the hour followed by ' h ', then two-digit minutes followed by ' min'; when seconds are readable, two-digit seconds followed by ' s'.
7 h 21 min 40 s
